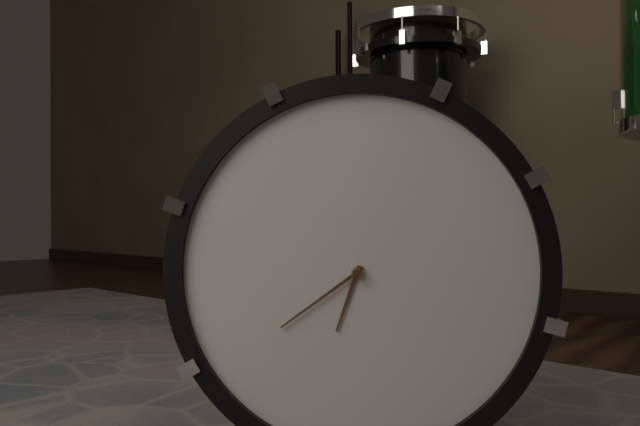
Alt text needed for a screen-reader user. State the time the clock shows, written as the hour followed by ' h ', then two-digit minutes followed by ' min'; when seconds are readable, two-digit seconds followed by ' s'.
6 h 39 min
